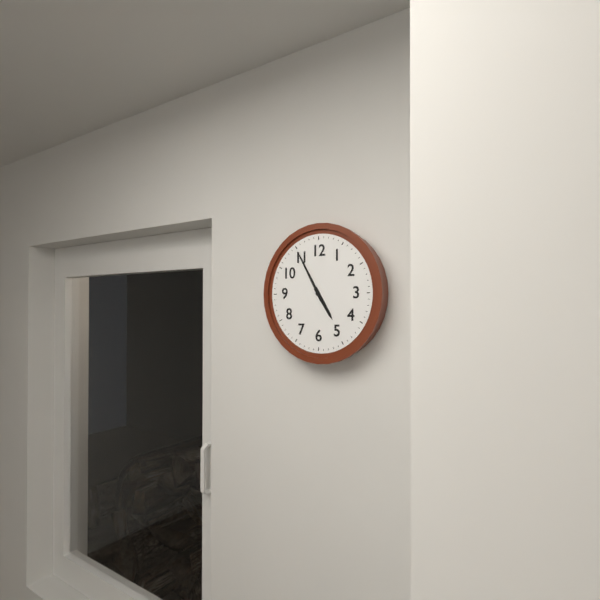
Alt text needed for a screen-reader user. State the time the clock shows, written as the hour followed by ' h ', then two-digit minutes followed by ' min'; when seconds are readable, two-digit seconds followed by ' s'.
4 h 55 min
